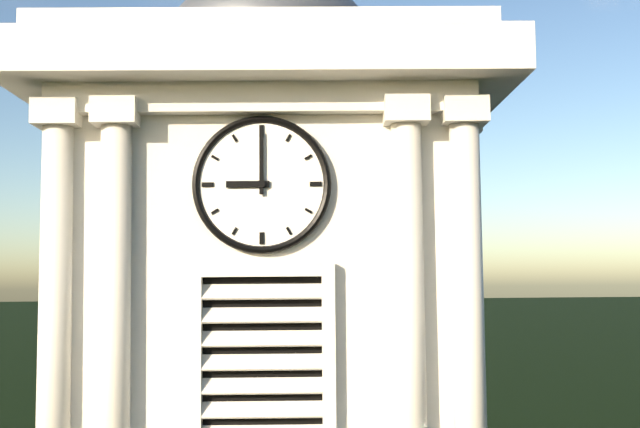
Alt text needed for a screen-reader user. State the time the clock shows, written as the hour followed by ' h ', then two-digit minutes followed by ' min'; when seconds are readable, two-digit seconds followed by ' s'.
9 h 00 min
